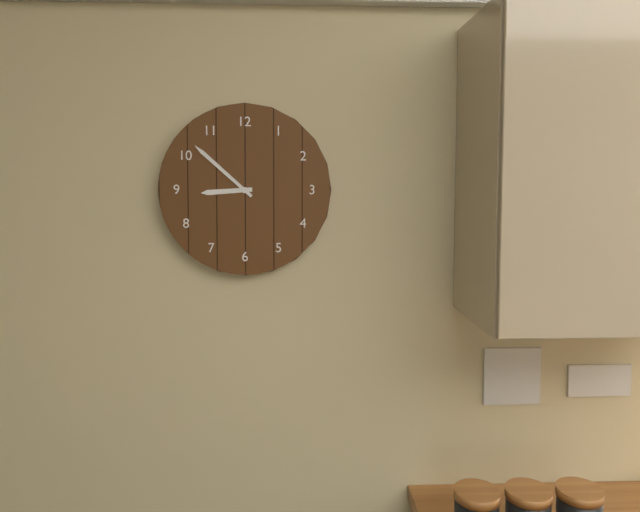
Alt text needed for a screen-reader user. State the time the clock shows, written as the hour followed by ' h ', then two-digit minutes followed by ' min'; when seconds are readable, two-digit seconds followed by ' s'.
8 h 52 min
